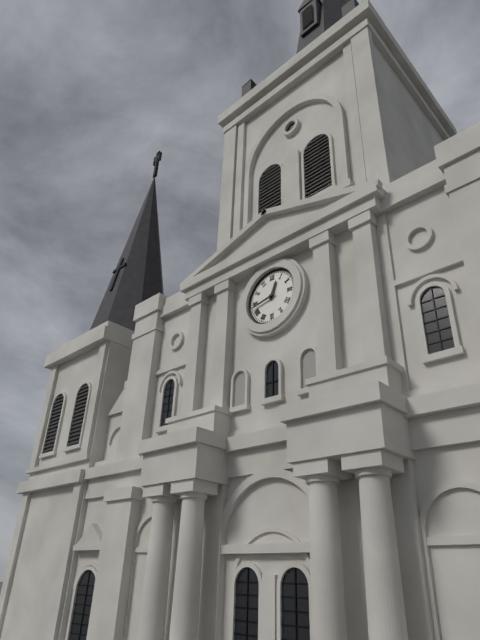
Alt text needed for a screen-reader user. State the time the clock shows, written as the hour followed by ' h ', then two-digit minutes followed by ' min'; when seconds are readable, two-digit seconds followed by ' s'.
12 h 43 min
